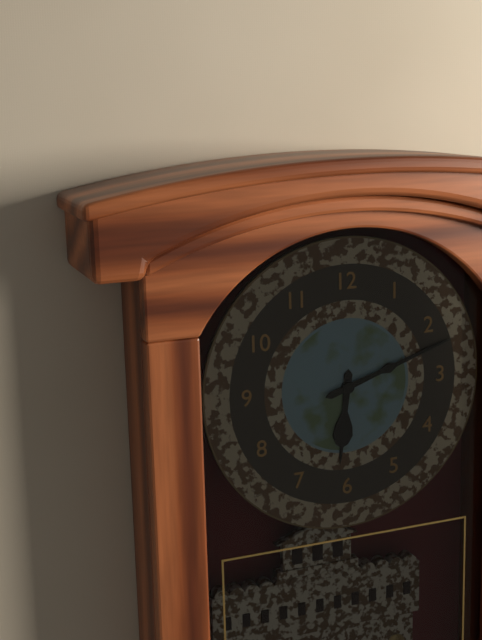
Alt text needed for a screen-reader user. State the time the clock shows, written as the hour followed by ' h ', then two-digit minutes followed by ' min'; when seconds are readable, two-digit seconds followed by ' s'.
6 h 12 min
